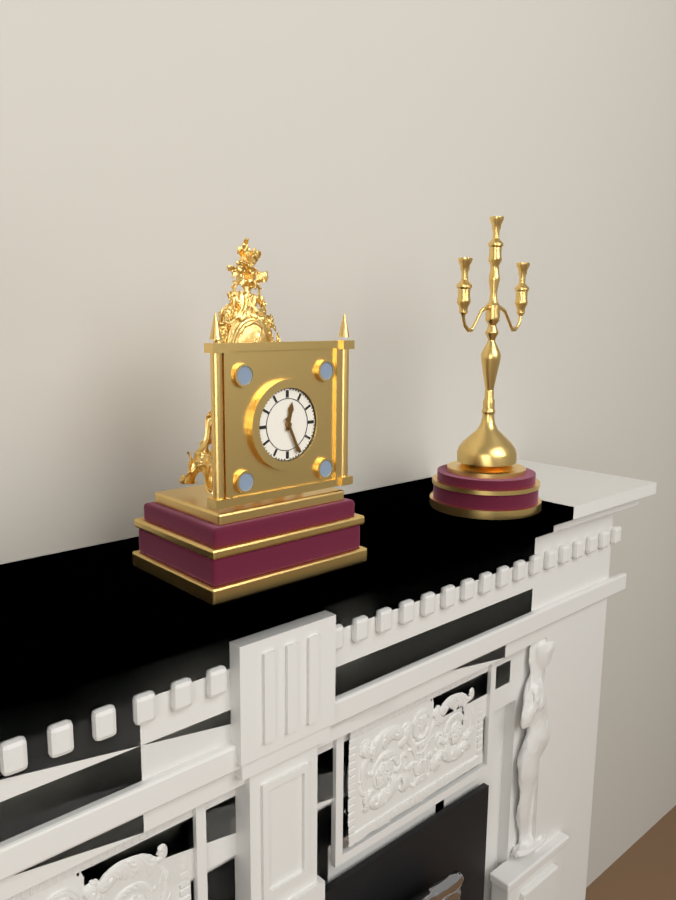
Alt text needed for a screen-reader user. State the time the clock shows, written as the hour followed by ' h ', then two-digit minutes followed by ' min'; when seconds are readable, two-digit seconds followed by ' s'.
12 h 26 min
